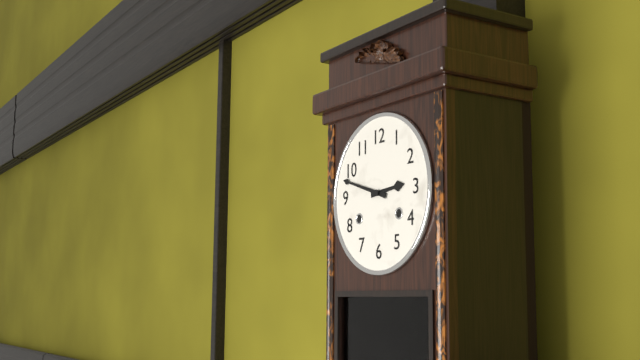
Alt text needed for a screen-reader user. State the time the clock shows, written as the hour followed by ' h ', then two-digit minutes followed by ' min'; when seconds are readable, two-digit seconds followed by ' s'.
2 h 48 min
